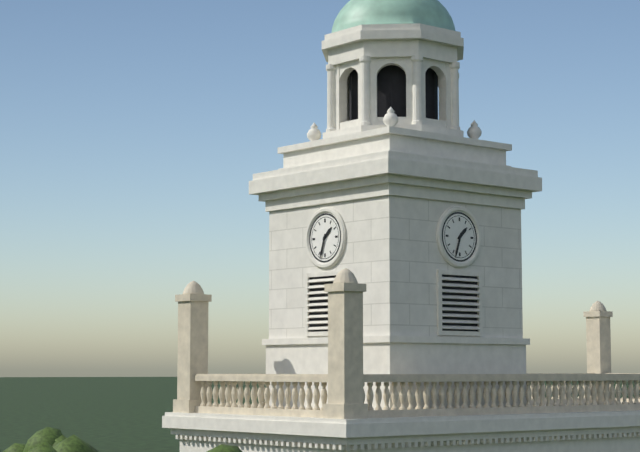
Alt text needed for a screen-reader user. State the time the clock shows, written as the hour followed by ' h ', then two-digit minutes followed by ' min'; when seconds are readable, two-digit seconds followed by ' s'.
1 h 33 min
